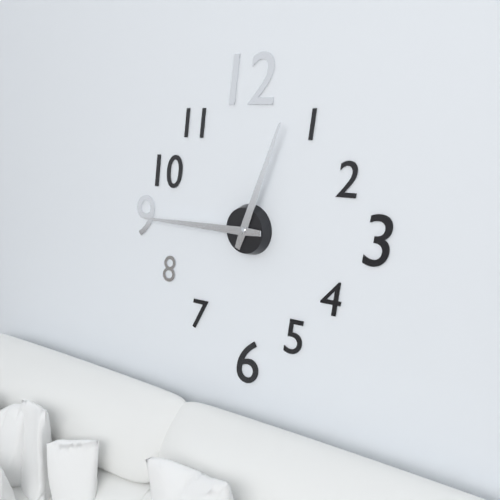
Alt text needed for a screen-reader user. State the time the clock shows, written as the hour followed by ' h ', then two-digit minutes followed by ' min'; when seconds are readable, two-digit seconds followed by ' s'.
12 h 45 min
